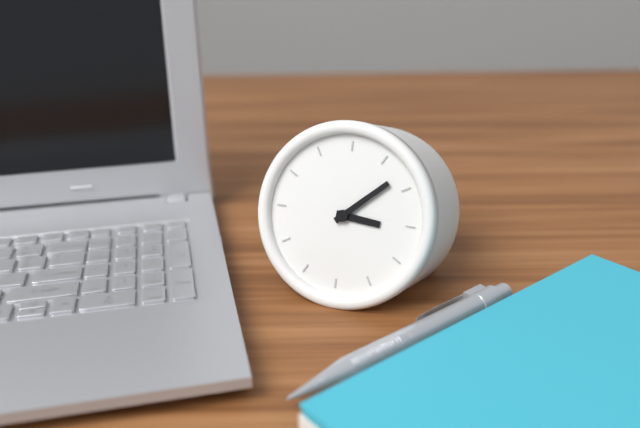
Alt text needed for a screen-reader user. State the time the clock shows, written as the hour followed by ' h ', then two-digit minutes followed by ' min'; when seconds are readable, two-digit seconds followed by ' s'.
3 h 08 min
